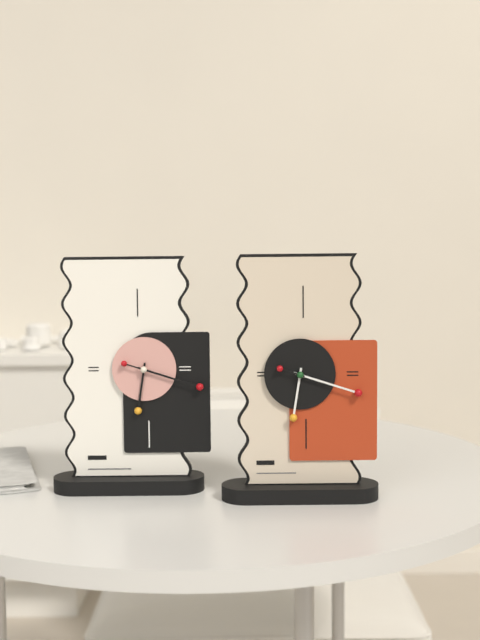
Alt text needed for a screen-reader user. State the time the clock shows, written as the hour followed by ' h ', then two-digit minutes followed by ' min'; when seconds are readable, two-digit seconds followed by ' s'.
6 h 18 min
